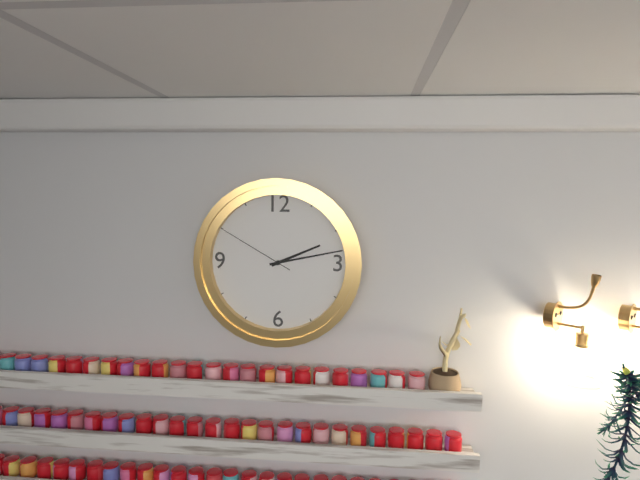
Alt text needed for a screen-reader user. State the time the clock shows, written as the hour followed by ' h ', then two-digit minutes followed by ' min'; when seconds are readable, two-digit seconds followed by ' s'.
2 h 13 min 50 s
